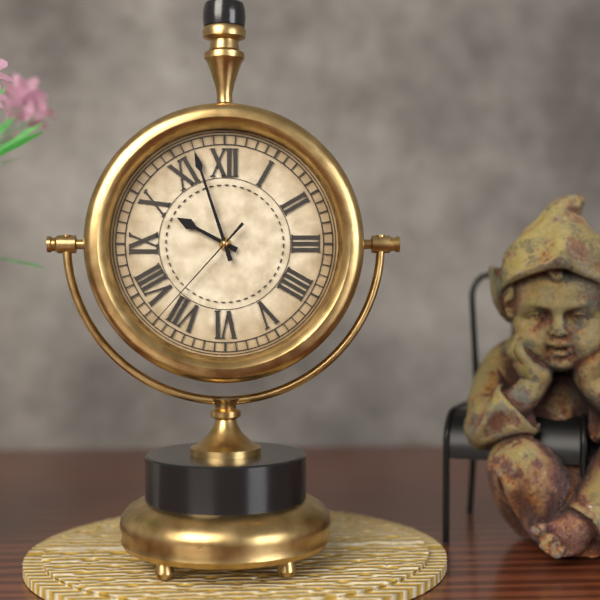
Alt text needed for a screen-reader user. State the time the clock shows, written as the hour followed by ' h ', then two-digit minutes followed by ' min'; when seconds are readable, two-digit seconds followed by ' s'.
9 h 57 min 37 s
